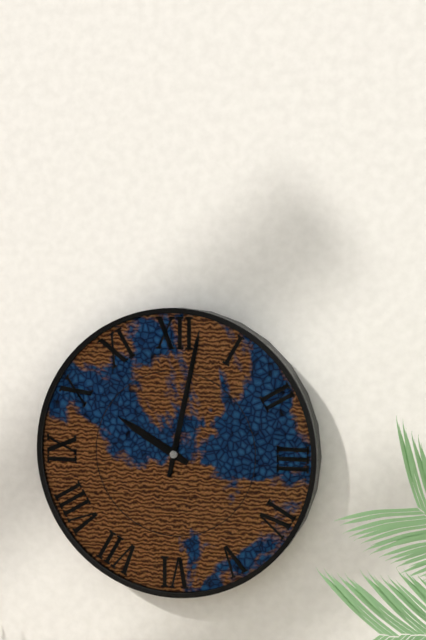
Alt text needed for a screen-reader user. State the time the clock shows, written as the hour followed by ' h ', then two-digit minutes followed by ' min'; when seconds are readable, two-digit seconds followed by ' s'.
10 h 02 min
